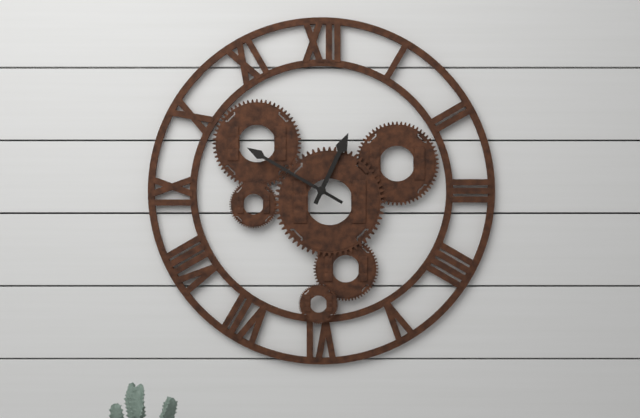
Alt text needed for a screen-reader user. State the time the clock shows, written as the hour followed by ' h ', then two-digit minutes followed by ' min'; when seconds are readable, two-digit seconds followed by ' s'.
12 h 50 min
